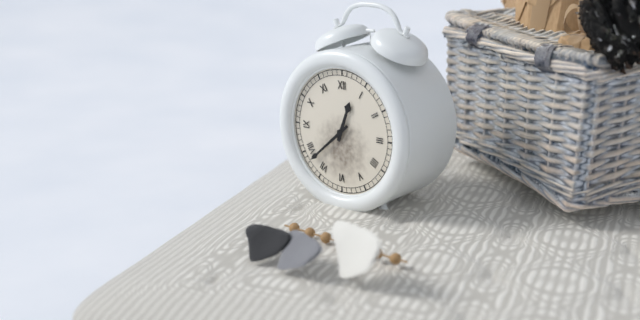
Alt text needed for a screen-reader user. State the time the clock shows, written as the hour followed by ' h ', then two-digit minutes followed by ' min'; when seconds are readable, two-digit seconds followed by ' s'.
12 h 38 min
